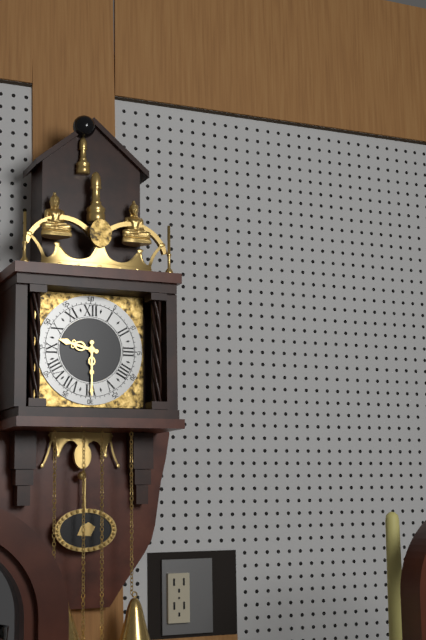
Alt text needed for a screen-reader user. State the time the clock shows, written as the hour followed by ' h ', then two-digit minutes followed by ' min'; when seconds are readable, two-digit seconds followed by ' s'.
9 h 30 min
